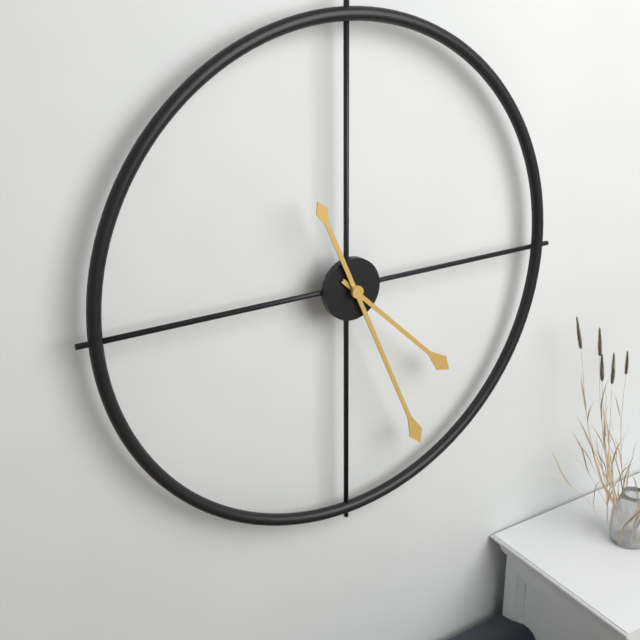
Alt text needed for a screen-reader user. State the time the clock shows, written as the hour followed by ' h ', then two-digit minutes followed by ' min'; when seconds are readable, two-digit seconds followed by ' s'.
4 h 26 min
